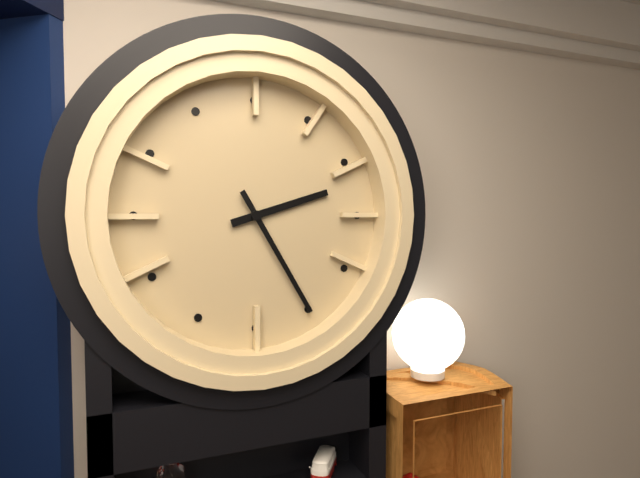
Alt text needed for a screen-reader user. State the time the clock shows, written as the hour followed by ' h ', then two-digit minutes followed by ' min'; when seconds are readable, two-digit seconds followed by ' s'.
2 h 25 min
